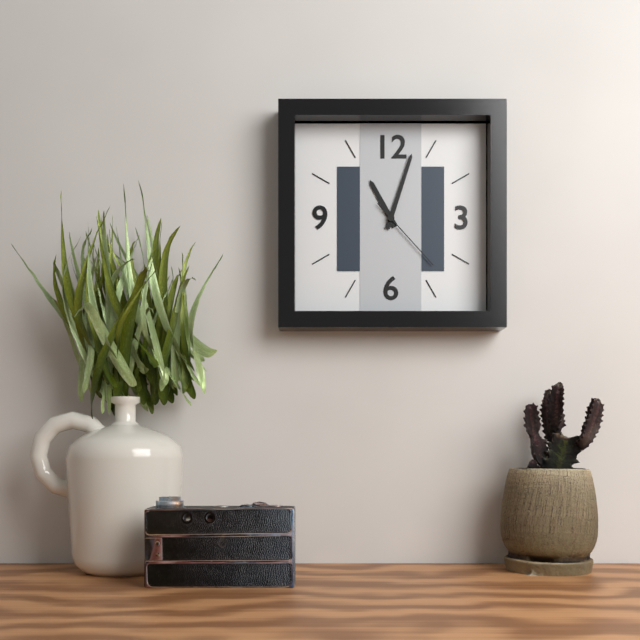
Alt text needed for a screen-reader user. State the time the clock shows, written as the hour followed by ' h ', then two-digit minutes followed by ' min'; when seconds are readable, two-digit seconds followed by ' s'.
11 h 03 min 23 s
